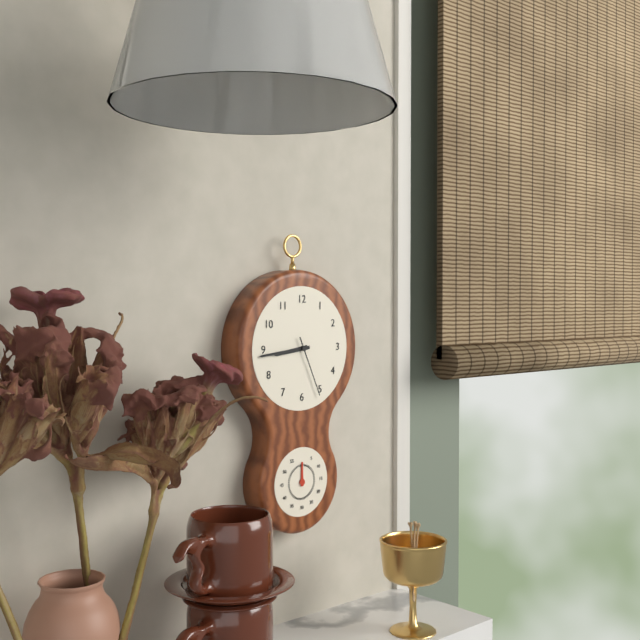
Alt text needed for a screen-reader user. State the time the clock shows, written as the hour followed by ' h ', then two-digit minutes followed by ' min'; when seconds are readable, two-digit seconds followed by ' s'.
8 h 44 min 26 s
